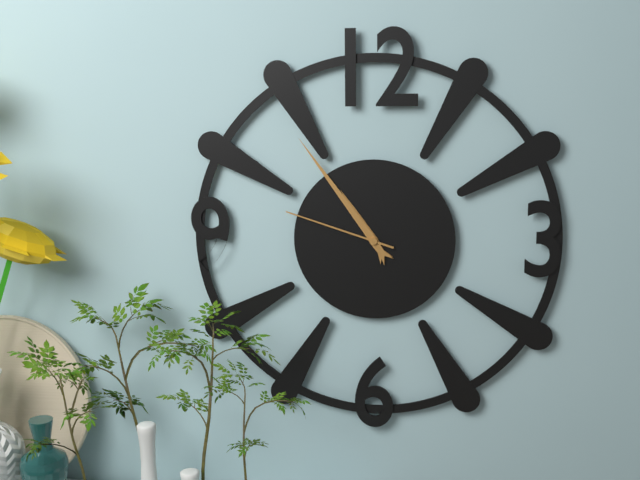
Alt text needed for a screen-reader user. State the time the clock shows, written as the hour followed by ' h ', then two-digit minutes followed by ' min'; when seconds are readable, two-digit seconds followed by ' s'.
10 h 54 min 48 s
